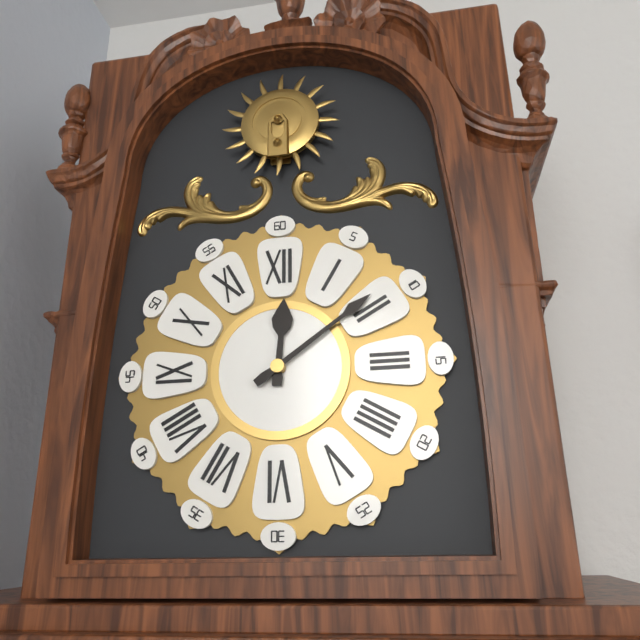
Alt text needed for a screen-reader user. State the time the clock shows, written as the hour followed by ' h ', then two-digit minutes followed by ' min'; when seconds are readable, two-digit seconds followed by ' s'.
12 h 09 min
